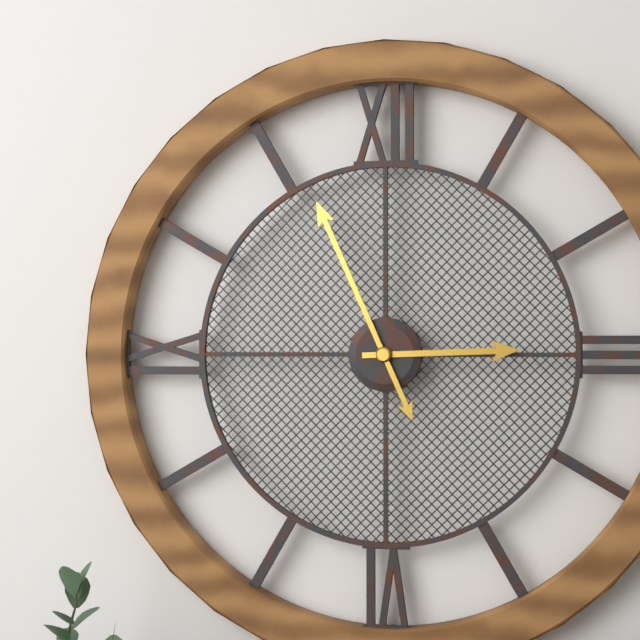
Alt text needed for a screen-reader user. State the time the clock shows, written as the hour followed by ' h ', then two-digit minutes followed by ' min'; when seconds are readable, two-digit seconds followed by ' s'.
2 h 56 min
